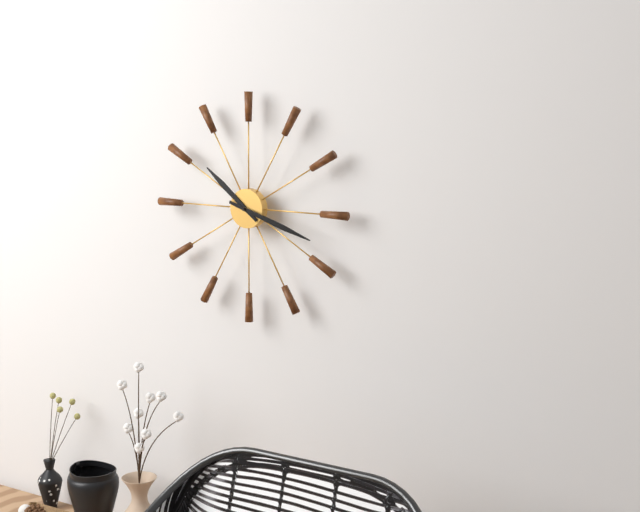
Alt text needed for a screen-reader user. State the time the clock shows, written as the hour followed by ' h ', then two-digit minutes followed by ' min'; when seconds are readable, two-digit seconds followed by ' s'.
10 h 18 min
